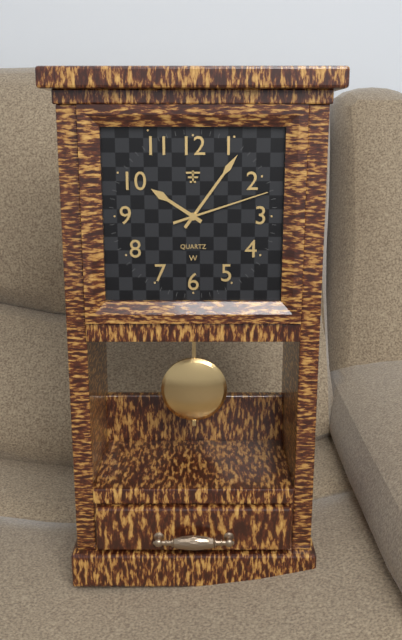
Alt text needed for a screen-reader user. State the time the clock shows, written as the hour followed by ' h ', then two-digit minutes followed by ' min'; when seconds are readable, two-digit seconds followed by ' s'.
10 h 06 min 12 s
